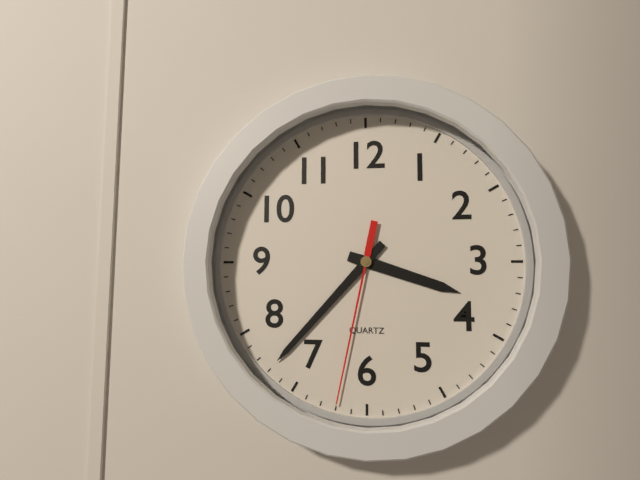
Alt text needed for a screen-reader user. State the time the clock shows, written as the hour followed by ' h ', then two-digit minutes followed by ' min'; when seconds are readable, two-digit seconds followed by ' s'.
3 h 37 min 32 s
